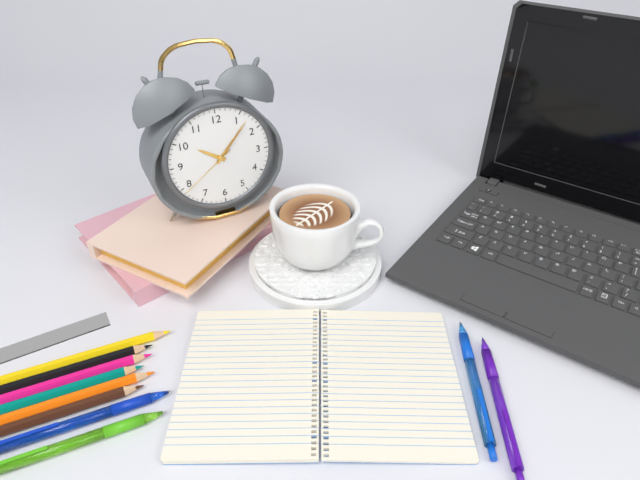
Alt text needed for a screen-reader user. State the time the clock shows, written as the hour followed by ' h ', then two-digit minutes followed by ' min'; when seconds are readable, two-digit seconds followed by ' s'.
10 h 07 min 39 s
